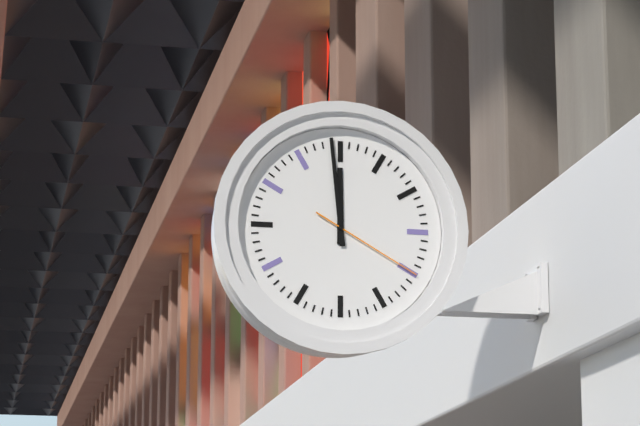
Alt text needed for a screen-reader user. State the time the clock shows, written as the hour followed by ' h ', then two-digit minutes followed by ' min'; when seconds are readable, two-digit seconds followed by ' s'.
11 h 59 min 20 s
